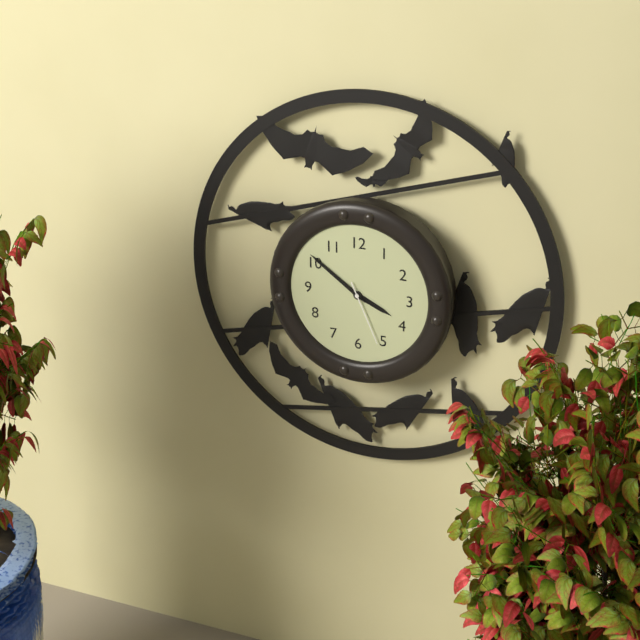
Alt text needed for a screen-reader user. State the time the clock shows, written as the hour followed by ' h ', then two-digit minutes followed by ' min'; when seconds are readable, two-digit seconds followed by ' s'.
3 h 51 min 26 s
